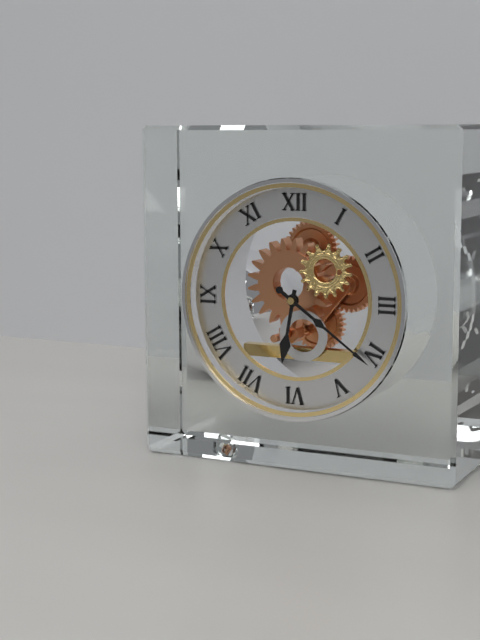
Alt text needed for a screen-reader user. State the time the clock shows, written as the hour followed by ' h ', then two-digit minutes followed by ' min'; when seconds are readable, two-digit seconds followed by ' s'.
6 h 21 min
